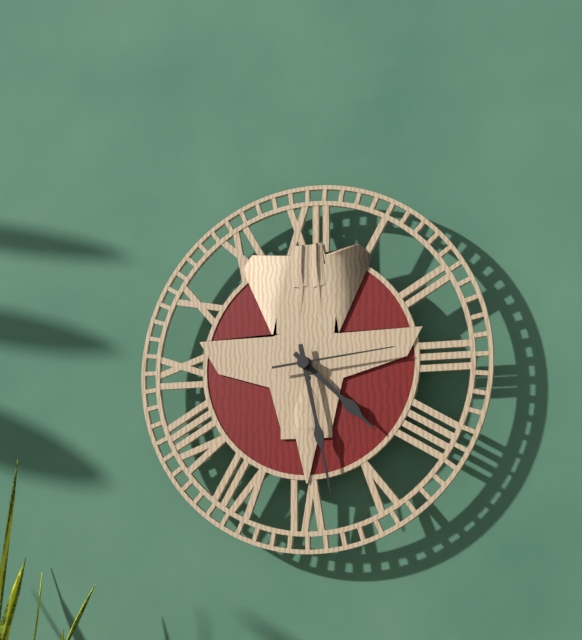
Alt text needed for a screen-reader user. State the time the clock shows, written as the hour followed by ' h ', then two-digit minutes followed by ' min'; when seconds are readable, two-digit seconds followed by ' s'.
4 h 28 min 14 s
